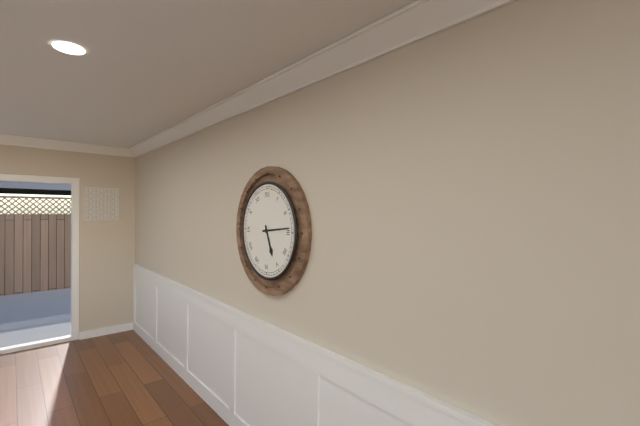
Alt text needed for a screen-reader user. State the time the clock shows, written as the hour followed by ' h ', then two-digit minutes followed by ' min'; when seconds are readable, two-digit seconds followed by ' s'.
5 h 14 min
